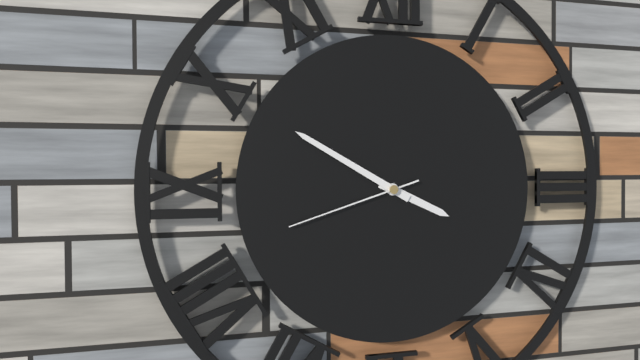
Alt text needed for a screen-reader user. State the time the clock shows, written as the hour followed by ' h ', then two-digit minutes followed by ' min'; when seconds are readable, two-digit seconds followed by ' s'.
3 h 50 min 42 s
